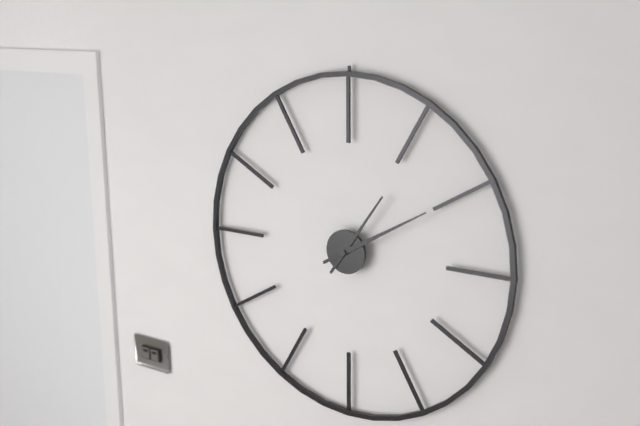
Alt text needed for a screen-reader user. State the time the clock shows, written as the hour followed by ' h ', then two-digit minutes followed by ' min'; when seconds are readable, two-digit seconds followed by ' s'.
1 h 10 min
